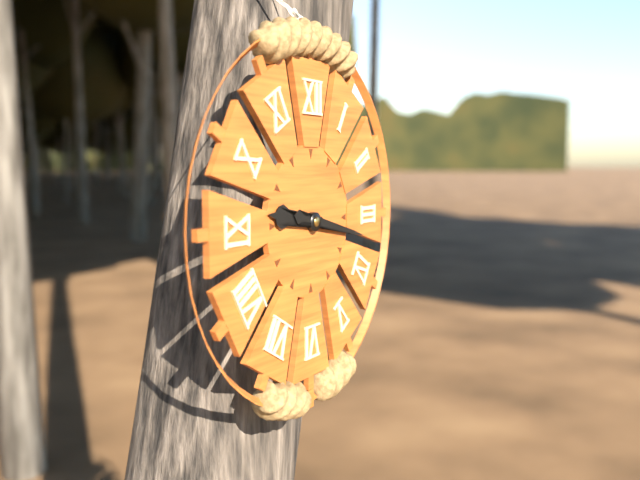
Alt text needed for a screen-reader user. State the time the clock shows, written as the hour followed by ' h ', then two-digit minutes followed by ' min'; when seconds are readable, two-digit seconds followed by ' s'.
9 h 17 min
